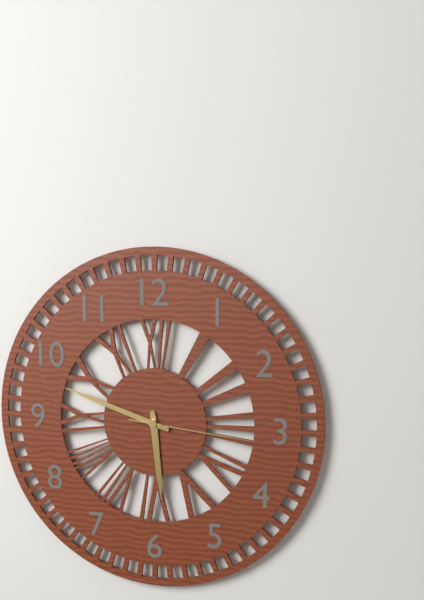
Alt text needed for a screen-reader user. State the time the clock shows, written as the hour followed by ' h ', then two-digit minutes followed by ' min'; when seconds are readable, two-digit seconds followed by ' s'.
5 h 48 min 16 s
